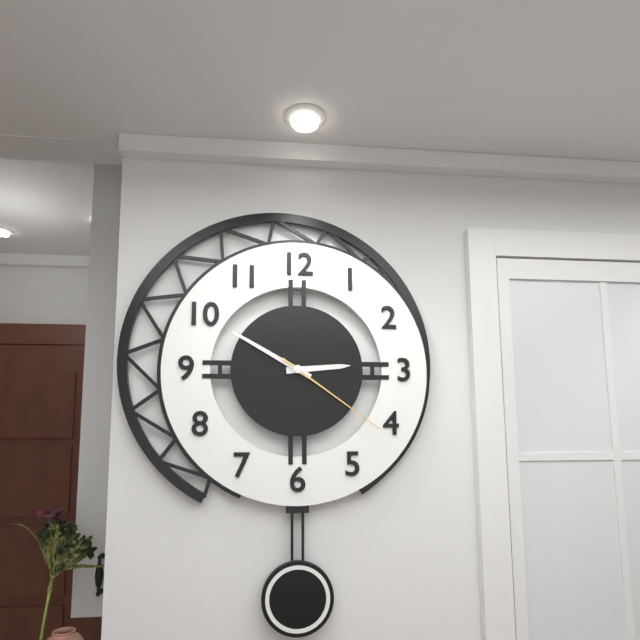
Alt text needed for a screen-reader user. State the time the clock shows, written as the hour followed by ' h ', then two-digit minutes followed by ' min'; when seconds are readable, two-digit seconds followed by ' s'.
2 h 50 min 21 s
